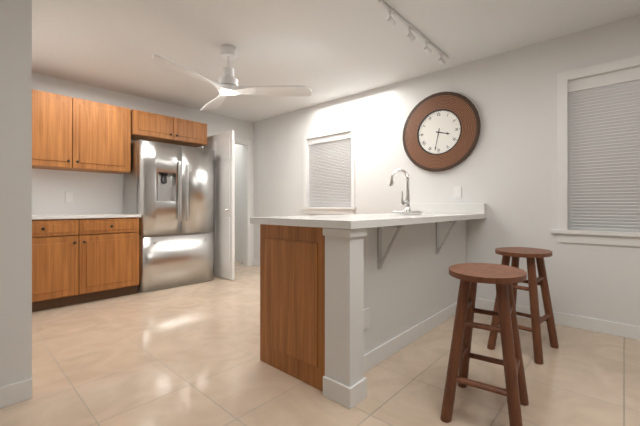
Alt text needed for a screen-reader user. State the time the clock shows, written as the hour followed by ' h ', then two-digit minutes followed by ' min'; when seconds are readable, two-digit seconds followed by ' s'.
3 h 32 min
